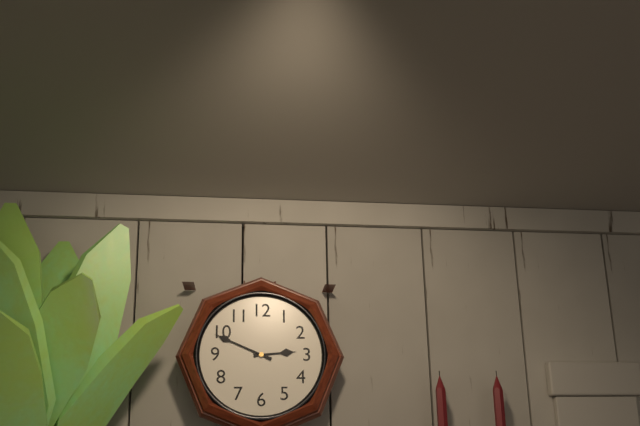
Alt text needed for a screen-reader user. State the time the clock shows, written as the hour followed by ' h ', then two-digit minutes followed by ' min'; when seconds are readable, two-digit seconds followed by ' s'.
2 h 49 min
